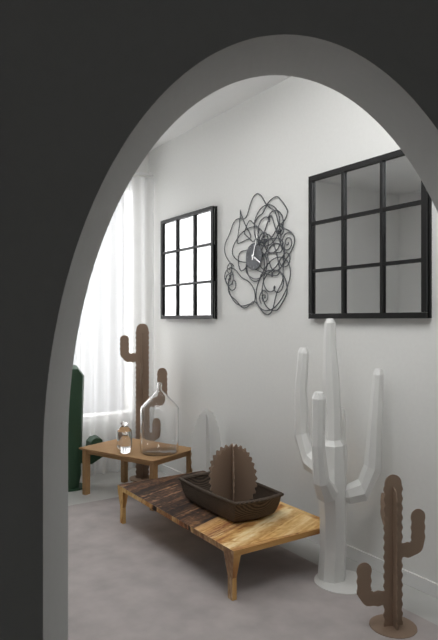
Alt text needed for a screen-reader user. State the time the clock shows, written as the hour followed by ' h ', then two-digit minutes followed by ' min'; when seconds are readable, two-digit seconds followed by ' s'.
4 h 03 min
